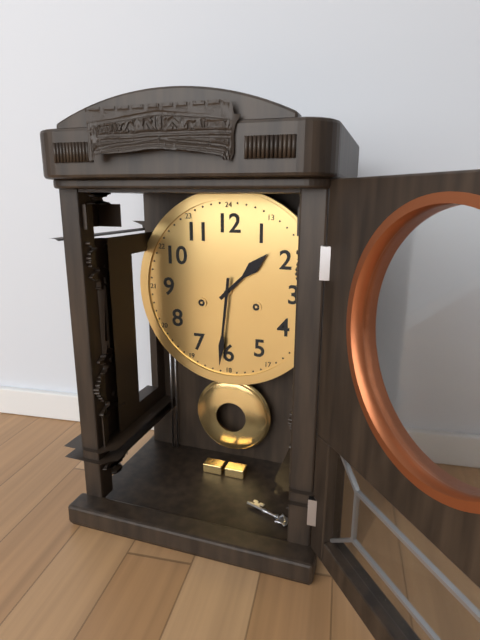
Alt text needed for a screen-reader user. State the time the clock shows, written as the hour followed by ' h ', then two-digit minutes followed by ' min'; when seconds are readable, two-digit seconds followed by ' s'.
1 h 31 min
